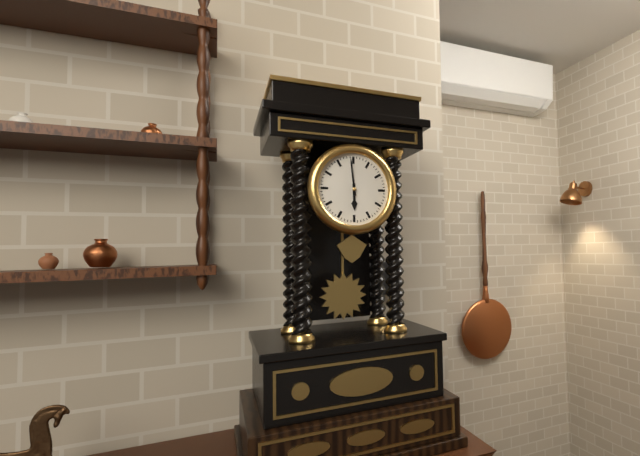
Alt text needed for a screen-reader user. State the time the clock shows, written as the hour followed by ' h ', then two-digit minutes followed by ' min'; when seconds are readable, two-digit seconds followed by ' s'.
5 h 59 min
